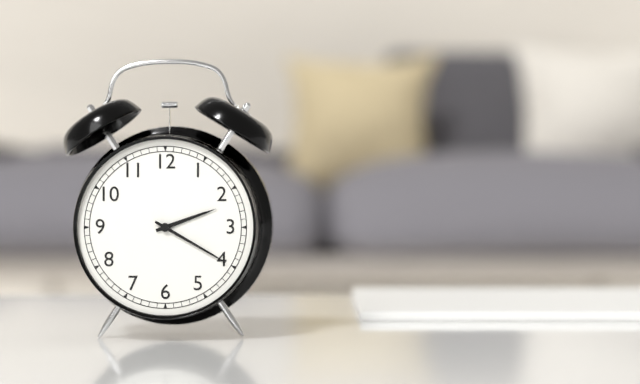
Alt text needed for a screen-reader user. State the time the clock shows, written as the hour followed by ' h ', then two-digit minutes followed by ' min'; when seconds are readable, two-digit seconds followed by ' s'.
2 h 20 min
